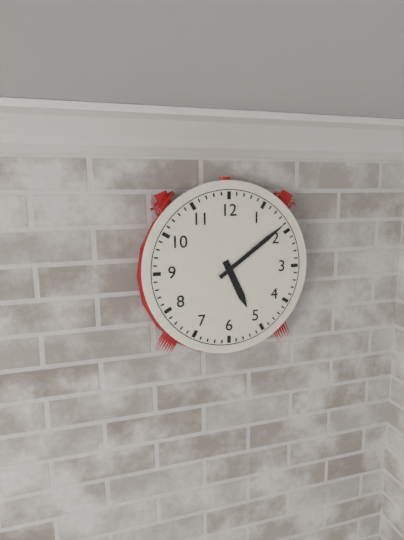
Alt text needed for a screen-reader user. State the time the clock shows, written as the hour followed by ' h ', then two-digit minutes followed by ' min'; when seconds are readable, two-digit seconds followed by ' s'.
5 h 09 min
